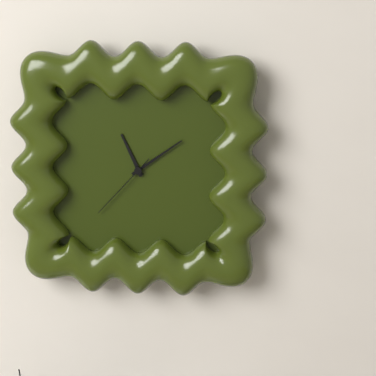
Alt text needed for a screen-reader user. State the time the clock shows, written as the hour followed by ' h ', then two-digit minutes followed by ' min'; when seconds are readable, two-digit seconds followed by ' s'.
11 h 09 min 37 s
